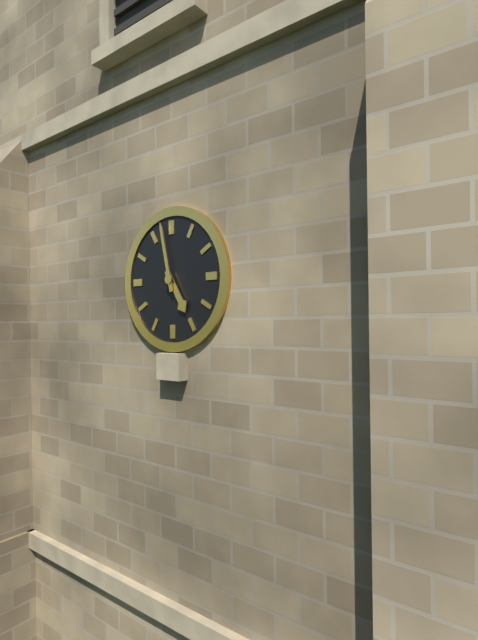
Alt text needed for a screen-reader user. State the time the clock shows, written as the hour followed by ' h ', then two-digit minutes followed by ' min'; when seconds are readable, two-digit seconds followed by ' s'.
4 h 58 min
